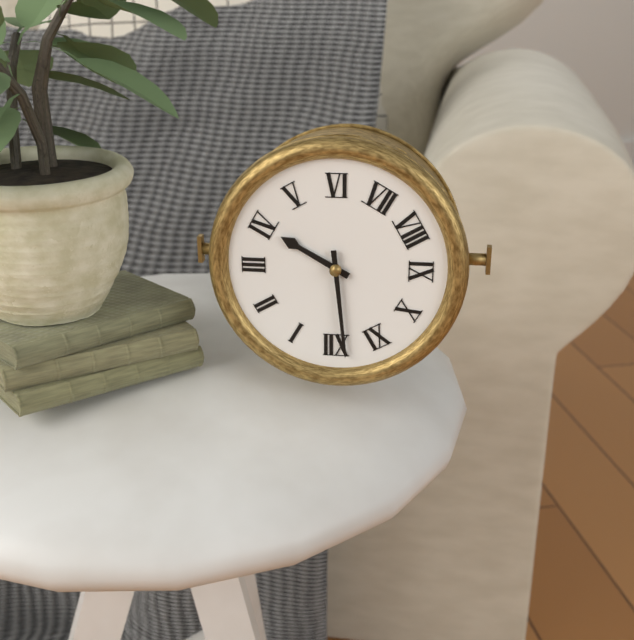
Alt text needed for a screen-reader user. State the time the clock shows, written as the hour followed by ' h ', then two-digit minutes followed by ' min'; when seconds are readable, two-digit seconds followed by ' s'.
3 h 59 min
